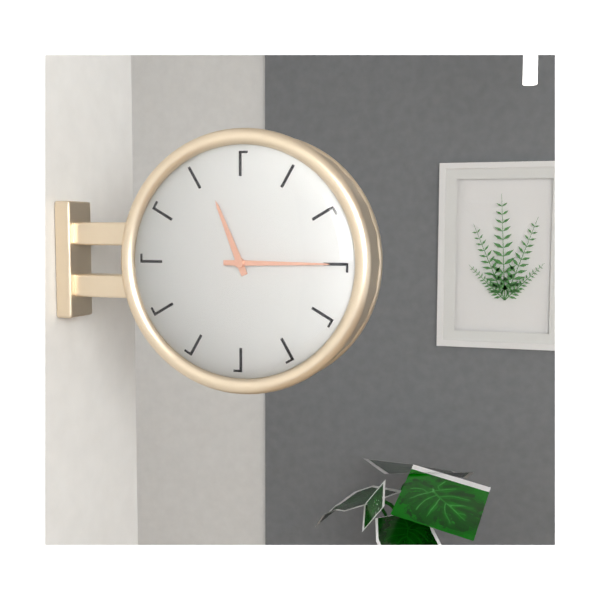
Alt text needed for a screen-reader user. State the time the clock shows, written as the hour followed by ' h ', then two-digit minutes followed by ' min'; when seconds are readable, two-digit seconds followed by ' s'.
11 h 15 min
